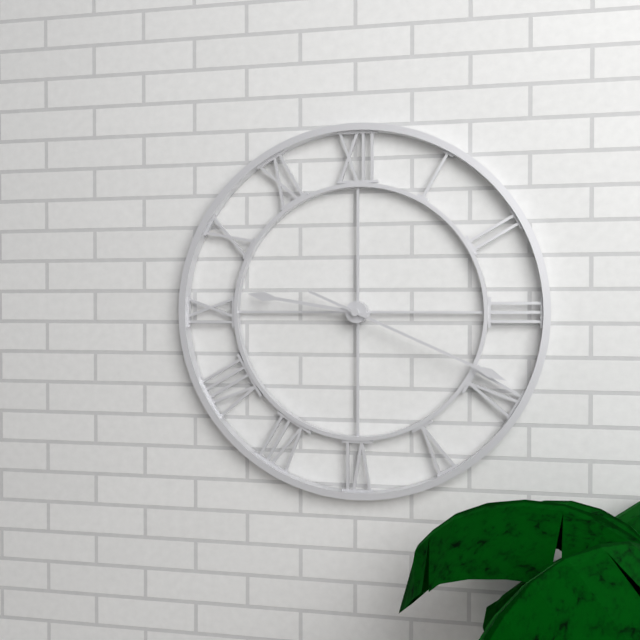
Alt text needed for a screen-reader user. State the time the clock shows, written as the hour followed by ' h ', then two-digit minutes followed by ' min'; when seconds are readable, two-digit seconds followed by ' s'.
9 h 19 min
